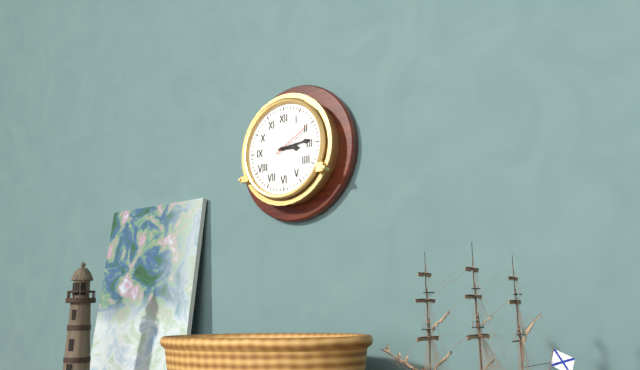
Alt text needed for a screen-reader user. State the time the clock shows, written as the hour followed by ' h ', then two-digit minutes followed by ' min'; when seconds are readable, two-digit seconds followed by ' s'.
3 h 14 min
